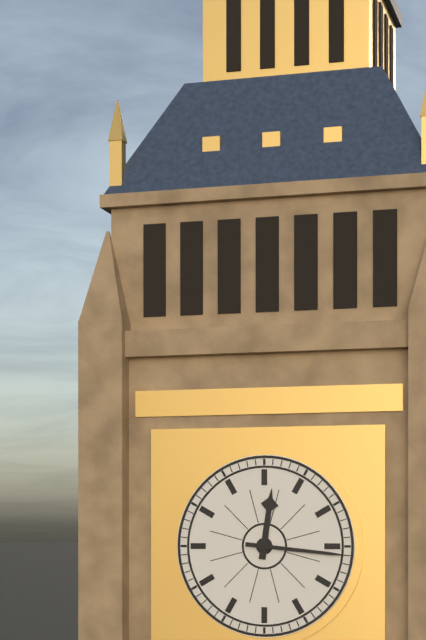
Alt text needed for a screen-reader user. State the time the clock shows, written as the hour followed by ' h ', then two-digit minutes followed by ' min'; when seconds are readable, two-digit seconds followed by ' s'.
12 h 16 min
